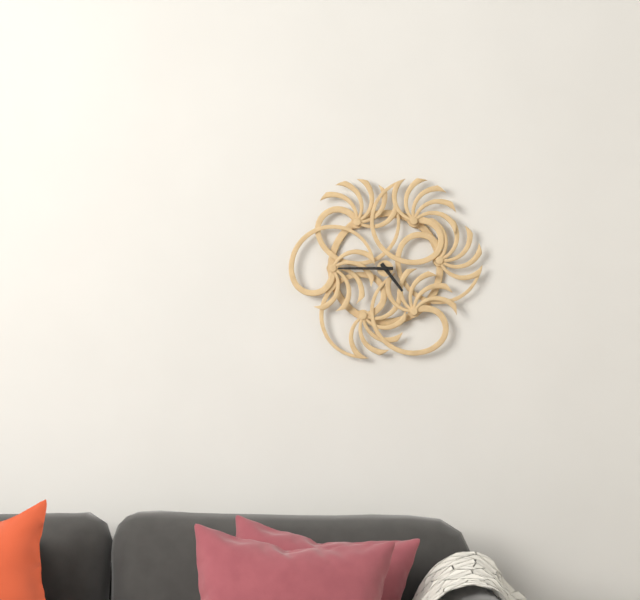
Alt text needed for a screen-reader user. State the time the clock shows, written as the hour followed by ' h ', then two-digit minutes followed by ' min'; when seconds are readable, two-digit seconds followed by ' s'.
4 h 45 min
